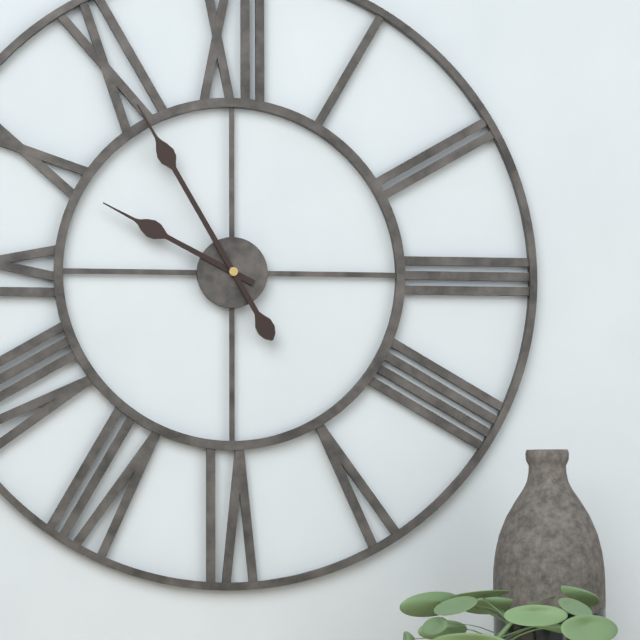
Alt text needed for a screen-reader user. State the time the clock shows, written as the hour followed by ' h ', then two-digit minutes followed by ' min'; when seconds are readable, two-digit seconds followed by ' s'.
9 h 55 min
